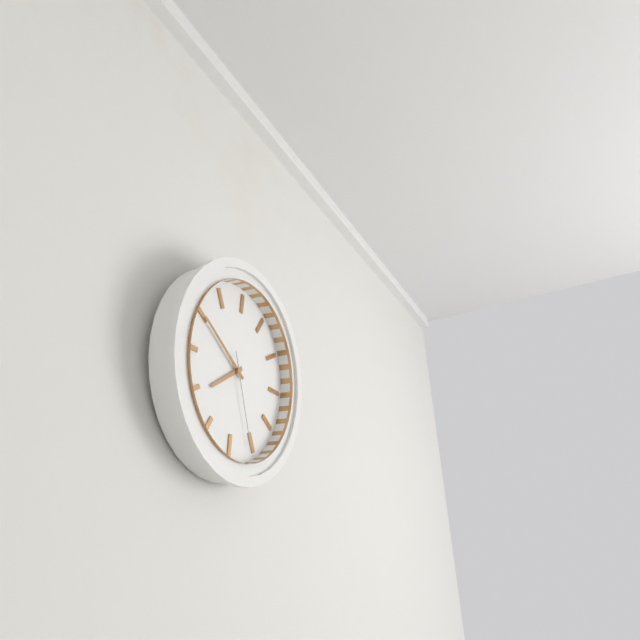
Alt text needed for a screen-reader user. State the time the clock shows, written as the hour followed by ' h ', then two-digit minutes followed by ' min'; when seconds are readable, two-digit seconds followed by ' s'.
7 h 50 min 26 s
